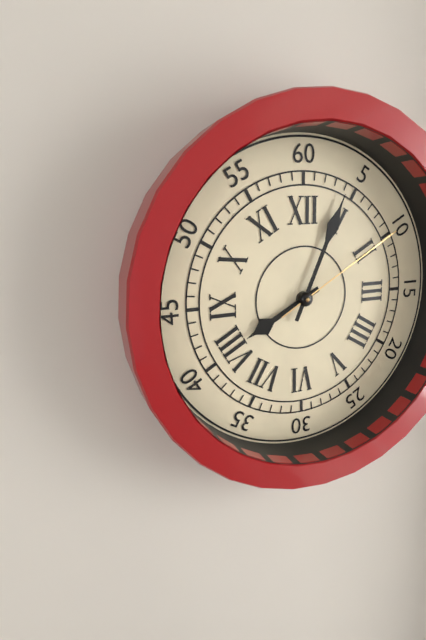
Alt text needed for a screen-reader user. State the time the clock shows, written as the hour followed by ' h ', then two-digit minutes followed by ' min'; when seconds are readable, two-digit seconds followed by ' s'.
8 h 04 min 10 s
